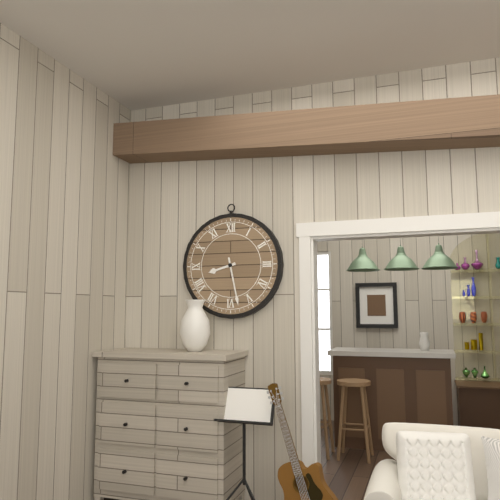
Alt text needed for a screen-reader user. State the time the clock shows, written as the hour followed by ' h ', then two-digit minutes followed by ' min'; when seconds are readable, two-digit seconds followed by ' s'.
8 h 28 min
